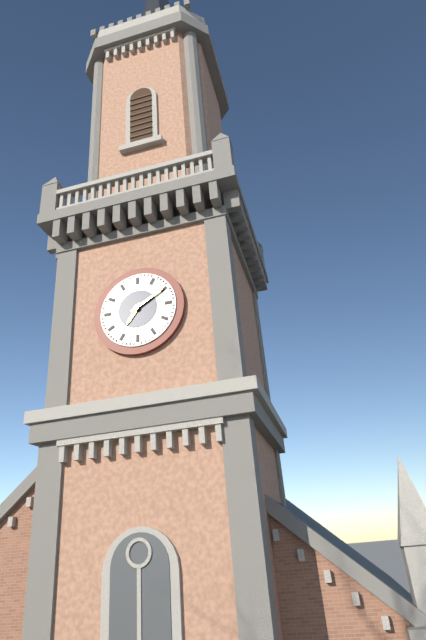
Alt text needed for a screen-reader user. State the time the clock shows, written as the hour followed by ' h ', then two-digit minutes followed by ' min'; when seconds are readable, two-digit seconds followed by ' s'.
7 h 10 min
